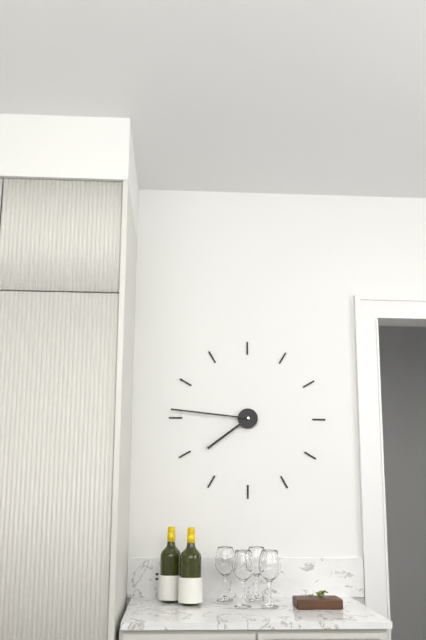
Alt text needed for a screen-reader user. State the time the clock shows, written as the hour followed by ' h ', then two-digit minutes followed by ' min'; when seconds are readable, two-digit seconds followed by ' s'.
7 h 46 min
